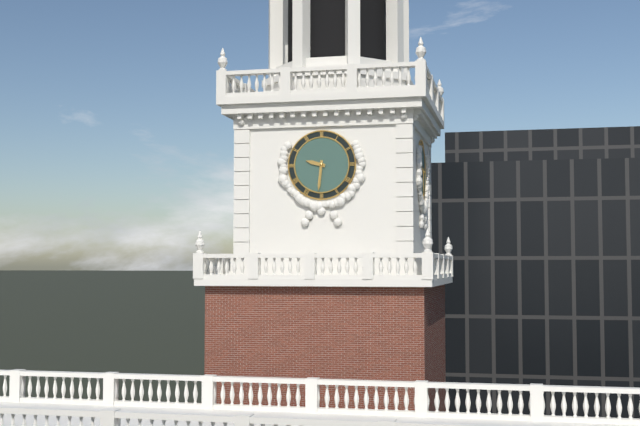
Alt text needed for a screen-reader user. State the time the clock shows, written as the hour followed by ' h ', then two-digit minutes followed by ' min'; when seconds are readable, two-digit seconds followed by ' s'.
9 h 31 min
